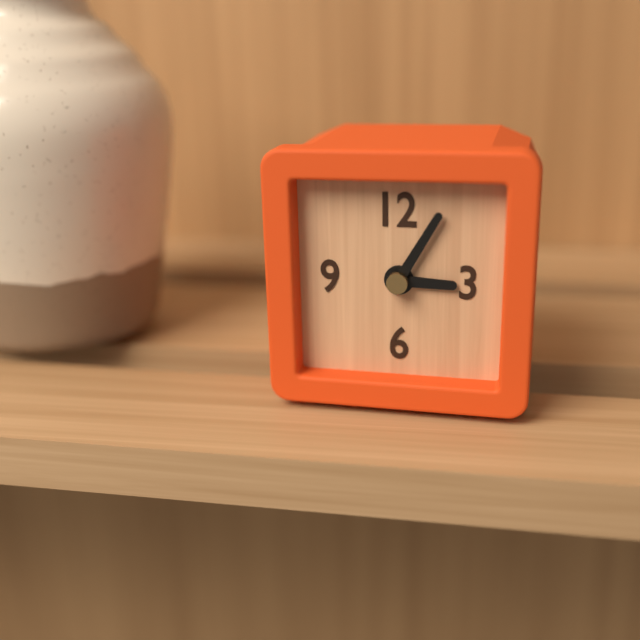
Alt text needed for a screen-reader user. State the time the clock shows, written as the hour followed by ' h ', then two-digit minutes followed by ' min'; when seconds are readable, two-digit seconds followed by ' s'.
3 h 05 min
